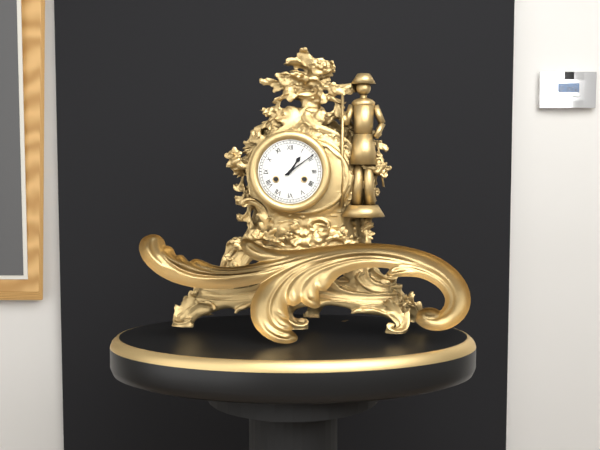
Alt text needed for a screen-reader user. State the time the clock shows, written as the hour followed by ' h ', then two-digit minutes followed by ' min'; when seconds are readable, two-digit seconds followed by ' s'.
1 h 09 min
